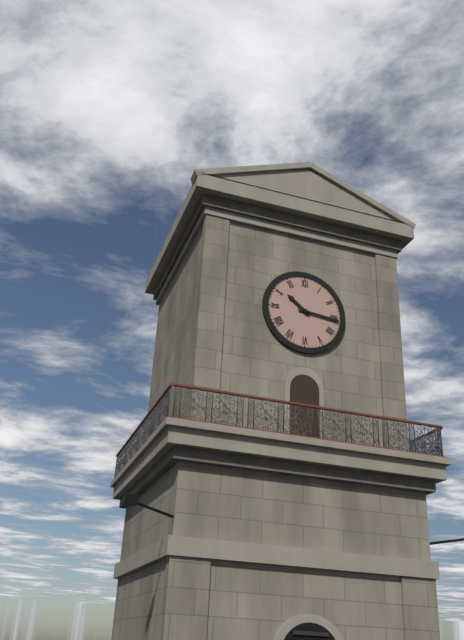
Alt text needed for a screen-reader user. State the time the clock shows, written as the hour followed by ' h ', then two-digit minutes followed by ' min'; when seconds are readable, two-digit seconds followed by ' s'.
10 h 16 min
